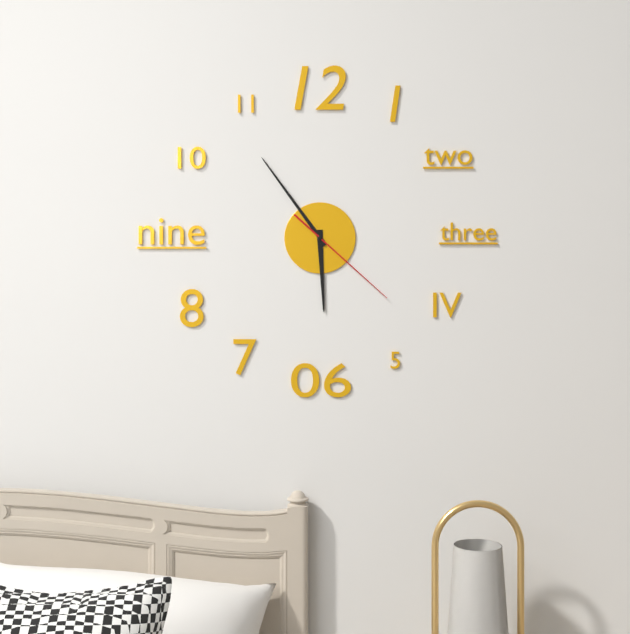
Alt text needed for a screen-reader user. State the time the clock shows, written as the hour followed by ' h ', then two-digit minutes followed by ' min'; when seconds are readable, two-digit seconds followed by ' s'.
5 h 54 min 22 s
